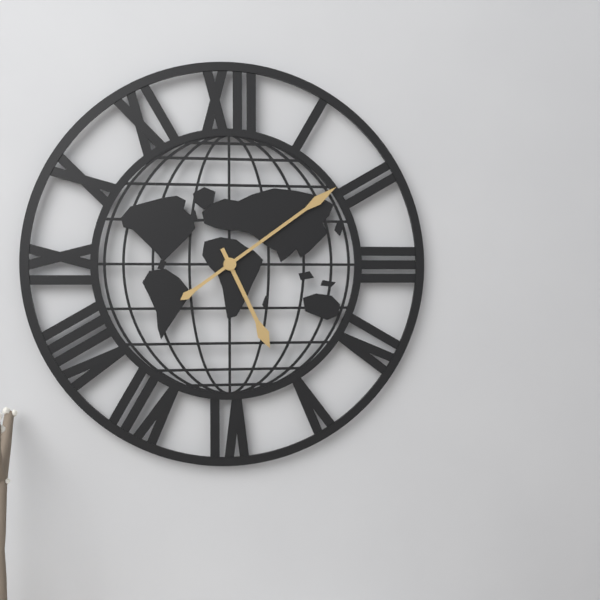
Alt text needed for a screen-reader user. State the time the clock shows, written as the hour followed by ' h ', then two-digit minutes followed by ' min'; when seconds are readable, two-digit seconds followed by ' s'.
5 h 09 min
